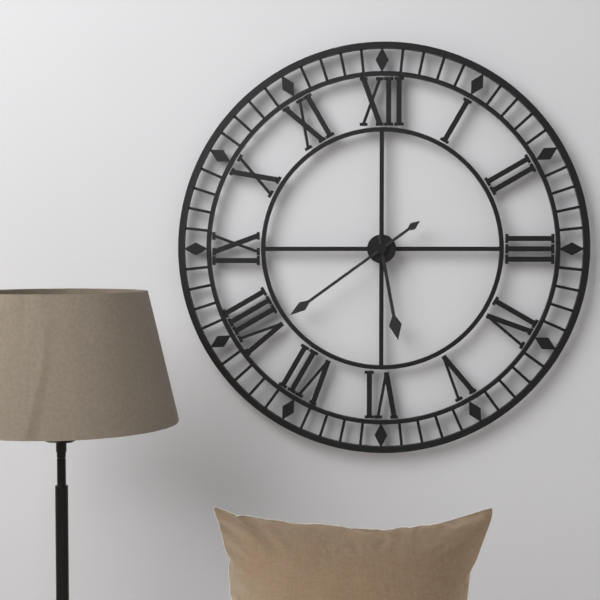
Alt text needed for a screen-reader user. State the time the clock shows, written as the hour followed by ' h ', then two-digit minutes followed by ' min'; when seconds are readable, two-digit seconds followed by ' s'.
5 h 39 min
